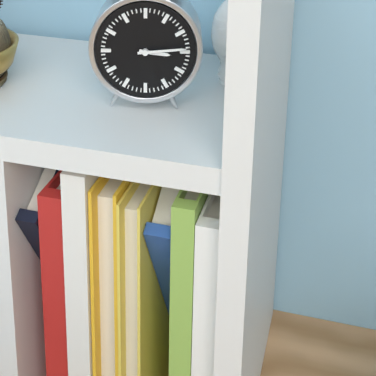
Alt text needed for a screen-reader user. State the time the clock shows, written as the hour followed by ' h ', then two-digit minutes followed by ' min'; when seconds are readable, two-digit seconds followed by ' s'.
3 h 14 min
